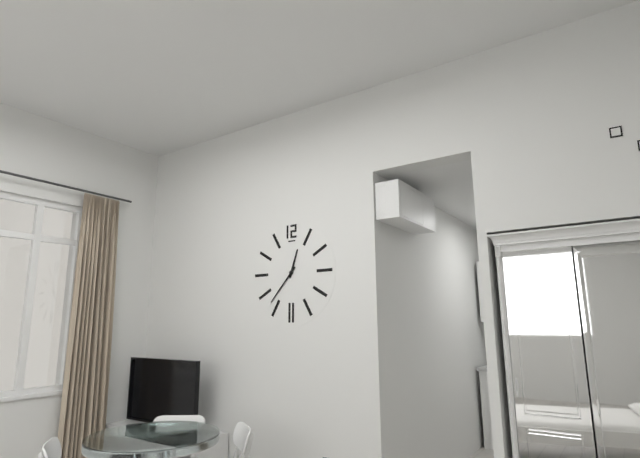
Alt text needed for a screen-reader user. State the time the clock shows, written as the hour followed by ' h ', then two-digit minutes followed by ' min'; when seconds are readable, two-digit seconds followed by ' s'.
12 h 37 min
